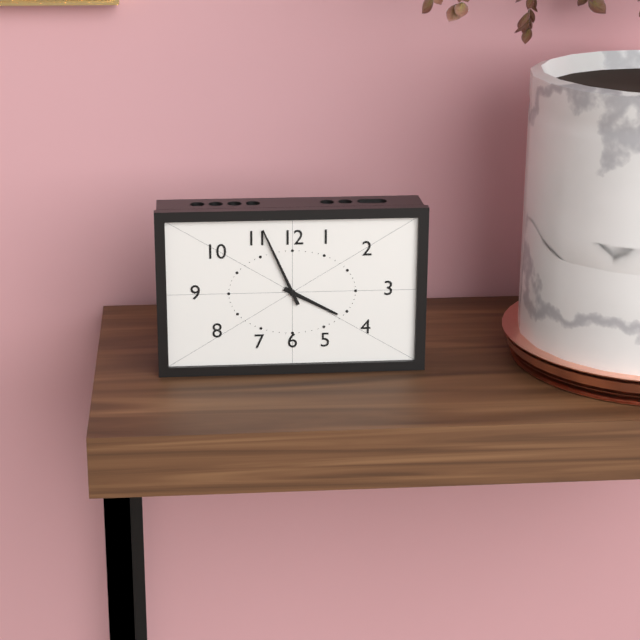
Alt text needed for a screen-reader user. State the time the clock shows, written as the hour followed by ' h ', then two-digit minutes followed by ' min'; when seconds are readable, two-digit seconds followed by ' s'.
3 h 56 min
